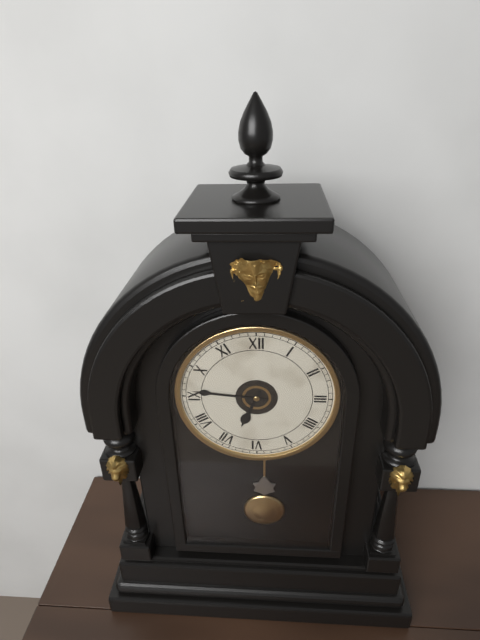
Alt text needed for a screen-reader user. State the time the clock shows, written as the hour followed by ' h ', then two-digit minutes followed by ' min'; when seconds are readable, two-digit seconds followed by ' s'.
6 h 46 min
